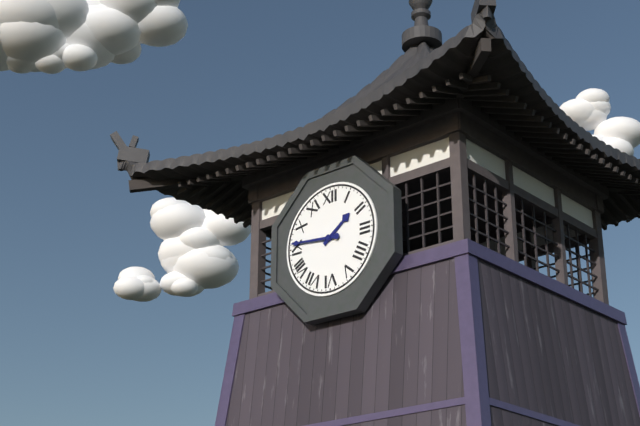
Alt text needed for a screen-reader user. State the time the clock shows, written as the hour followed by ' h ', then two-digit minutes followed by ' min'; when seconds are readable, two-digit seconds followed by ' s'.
1 h 46 min
